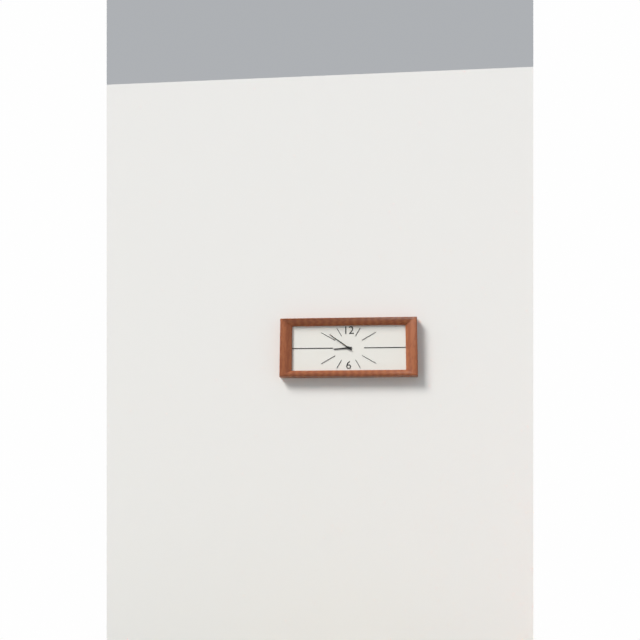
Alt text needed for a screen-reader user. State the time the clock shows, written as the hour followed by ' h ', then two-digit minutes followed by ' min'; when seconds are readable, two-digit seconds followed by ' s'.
8 h 51 min
